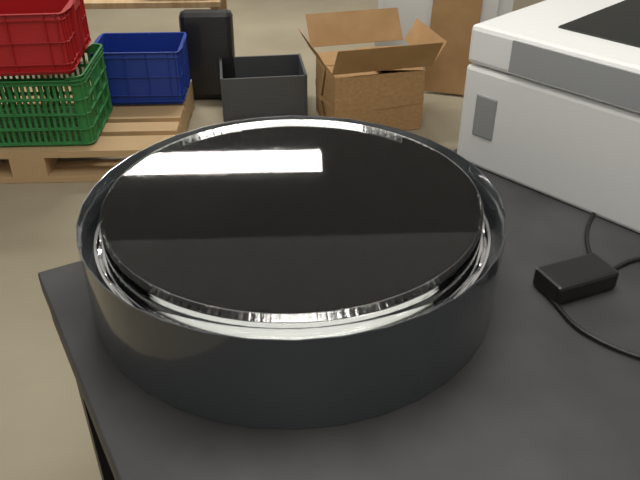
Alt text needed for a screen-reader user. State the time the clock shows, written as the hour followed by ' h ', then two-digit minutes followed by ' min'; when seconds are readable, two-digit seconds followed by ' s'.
4 h 30 min
